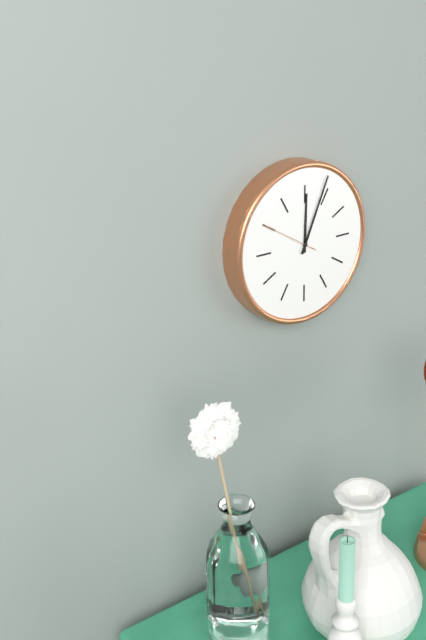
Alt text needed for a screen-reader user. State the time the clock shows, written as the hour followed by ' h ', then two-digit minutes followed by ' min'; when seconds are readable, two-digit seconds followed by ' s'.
12 h 04 min
